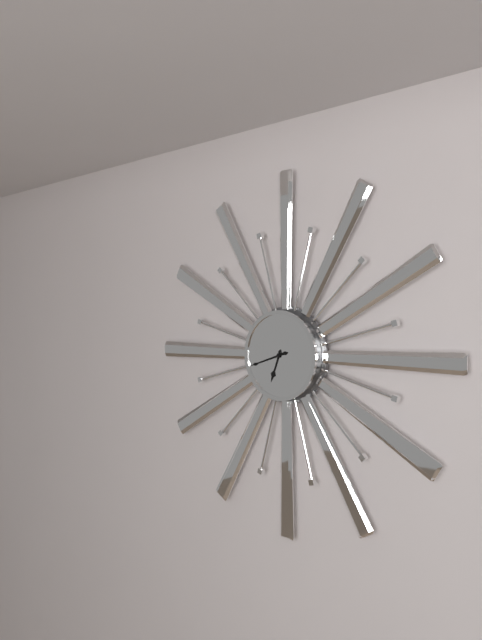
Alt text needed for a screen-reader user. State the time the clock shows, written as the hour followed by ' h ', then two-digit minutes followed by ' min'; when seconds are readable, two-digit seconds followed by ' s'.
6 h 42 min
